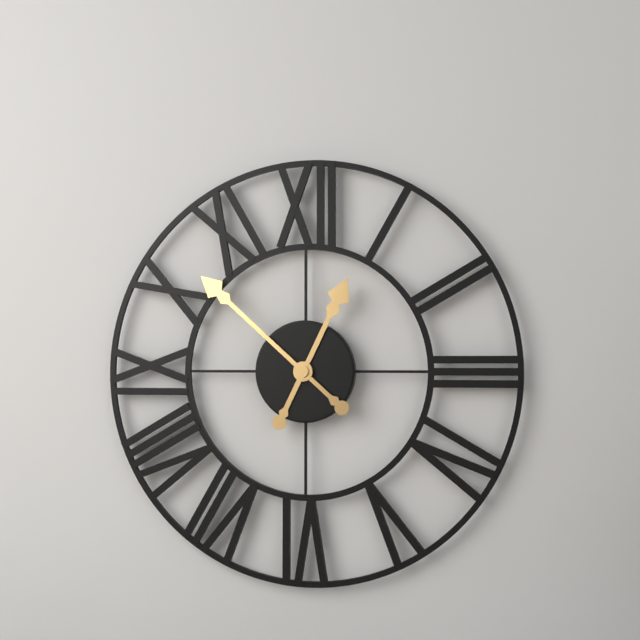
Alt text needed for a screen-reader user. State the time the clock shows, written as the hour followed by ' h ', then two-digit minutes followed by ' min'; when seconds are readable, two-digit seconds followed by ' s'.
12 h 52 min
